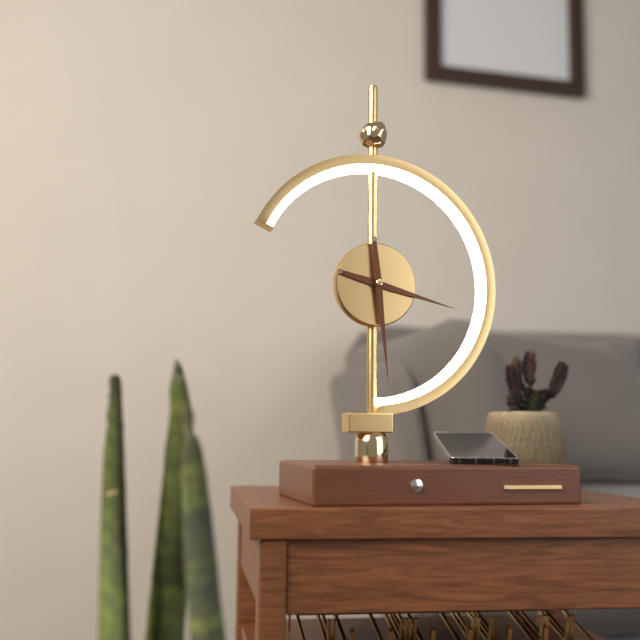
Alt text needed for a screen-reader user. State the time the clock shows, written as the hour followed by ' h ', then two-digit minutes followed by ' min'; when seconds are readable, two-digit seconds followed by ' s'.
3 h 29 min
